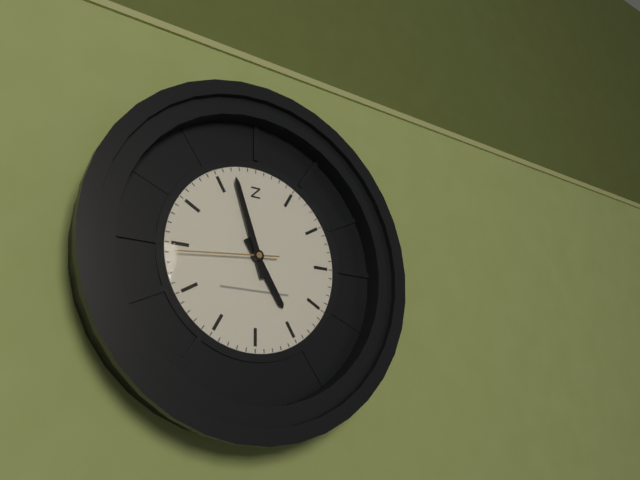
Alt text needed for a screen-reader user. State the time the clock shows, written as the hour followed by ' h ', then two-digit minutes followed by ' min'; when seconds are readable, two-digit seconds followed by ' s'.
4 h 57 min 44 s
